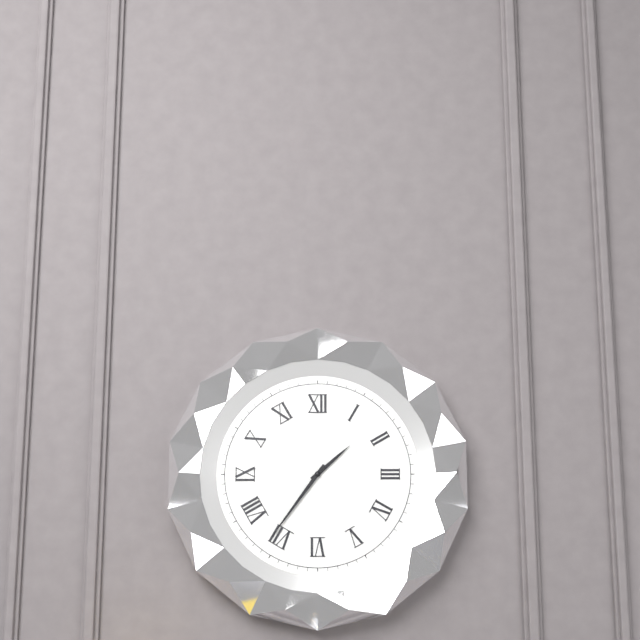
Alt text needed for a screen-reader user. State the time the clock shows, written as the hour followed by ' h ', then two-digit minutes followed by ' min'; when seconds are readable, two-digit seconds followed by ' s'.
1 h 36 min
